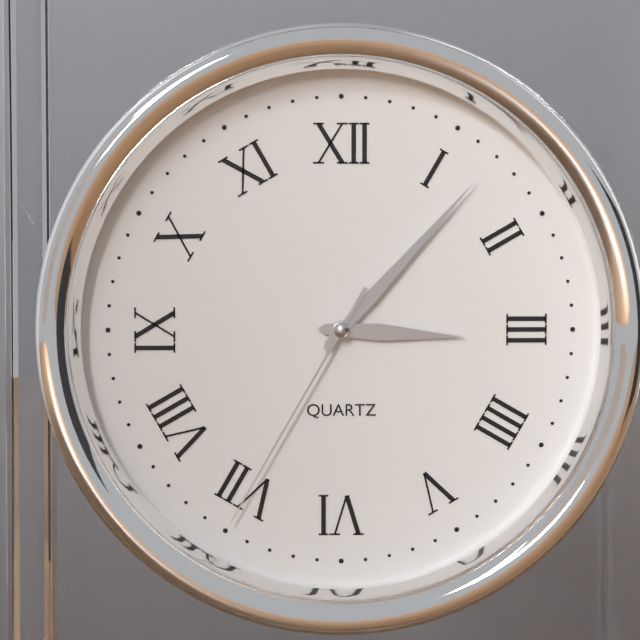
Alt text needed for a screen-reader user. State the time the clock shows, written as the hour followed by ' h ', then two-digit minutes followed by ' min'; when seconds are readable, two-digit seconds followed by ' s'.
3 h 07 min 35 s
